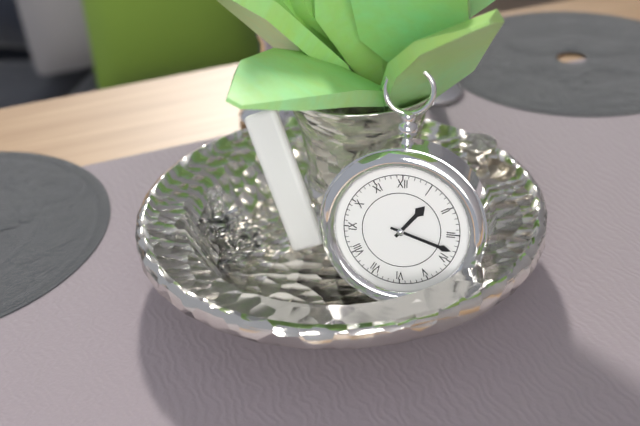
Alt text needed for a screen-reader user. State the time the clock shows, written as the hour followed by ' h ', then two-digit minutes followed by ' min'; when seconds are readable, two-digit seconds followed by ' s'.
1 h 18 min
